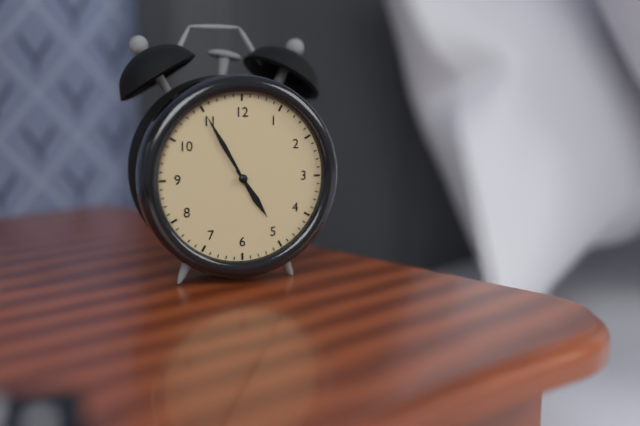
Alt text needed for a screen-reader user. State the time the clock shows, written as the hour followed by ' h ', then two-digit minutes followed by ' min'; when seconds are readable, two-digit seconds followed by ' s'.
4 h 55 min
